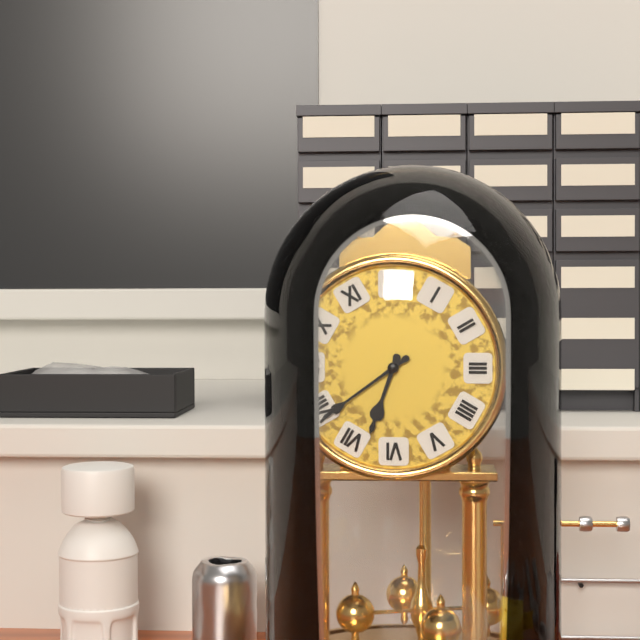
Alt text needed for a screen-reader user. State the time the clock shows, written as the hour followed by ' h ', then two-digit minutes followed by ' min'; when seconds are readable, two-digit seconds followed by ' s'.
6 h 39 min
